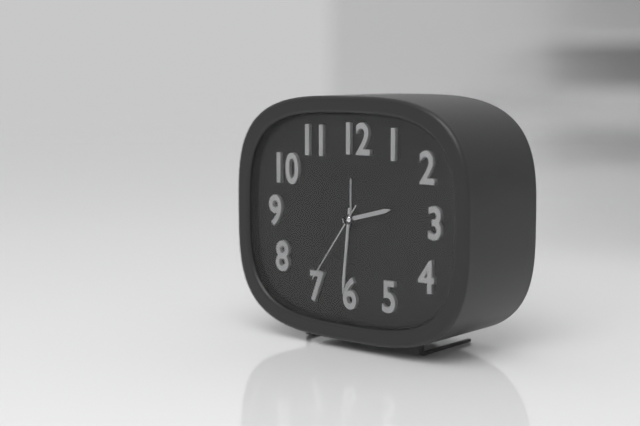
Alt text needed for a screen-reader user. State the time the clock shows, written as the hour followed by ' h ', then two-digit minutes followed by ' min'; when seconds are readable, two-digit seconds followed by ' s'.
2 h 31 min 36 s
